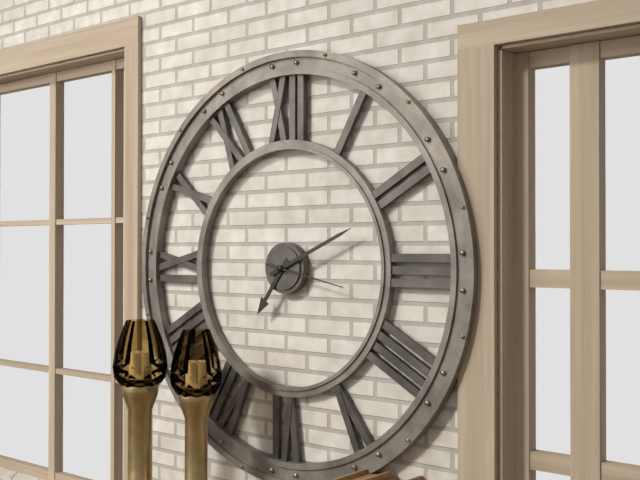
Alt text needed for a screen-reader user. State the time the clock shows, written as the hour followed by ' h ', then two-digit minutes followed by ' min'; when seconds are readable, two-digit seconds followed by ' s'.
7 h 11 min 17 s
